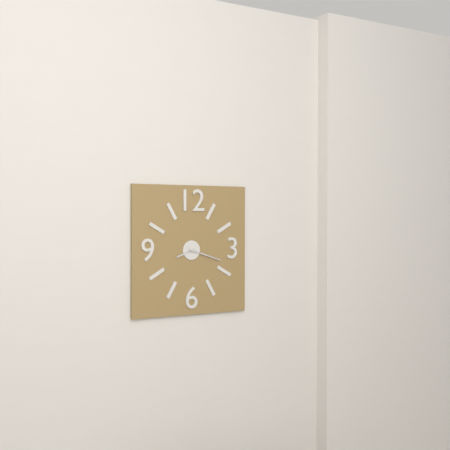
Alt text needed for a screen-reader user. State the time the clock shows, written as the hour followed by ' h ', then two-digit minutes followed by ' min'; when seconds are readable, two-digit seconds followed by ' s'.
8 h 18 min
